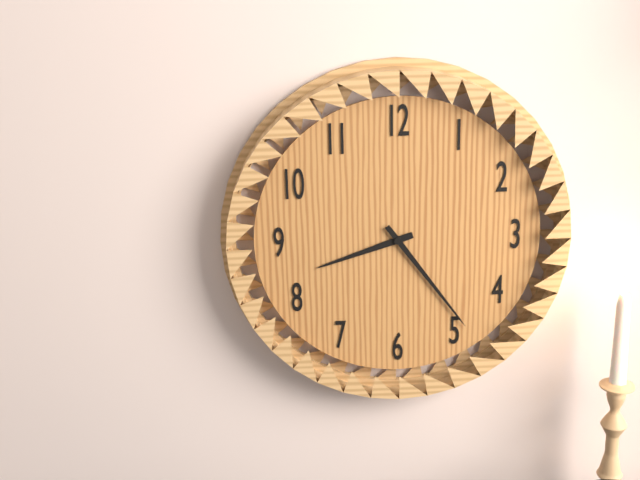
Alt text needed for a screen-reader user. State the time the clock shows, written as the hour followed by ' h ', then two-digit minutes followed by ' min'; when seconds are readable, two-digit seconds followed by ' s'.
8 h 24 min
